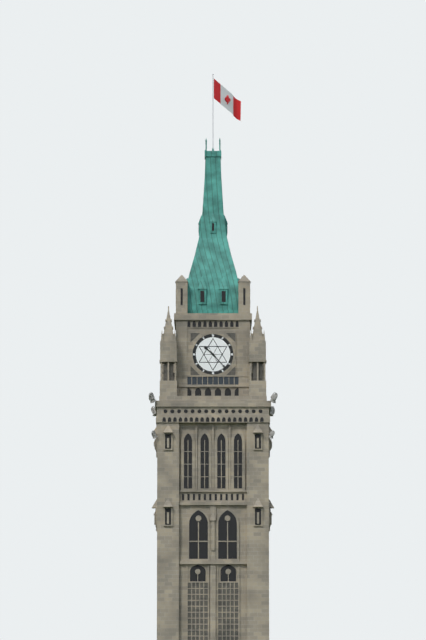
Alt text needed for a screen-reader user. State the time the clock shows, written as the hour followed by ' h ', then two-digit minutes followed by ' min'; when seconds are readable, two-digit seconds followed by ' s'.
10 h 23 min
